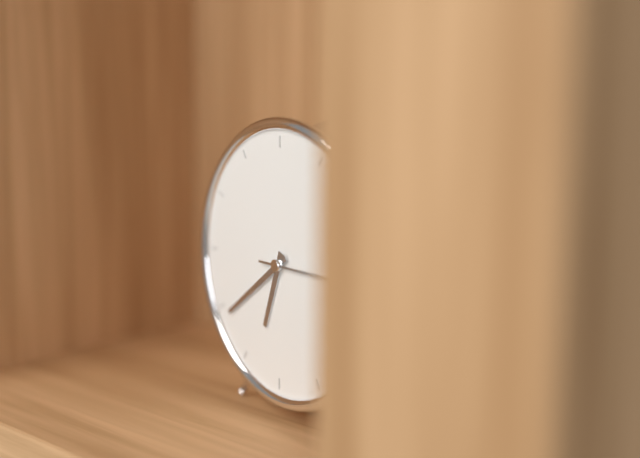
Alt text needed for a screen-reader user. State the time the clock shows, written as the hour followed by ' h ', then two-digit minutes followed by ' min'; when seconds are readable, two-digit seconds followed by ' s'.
6 h 39 min
